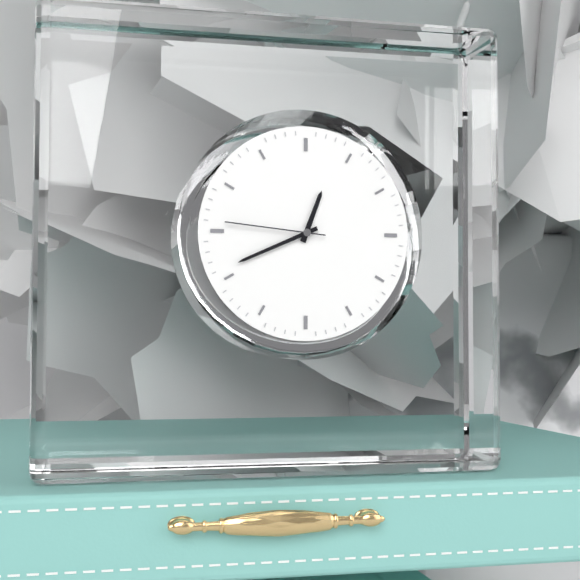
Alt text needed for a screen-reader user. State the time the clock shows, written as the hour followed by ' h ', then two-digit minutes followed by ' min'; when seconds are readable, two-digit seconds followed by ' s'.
12 h 41 min 46 s
